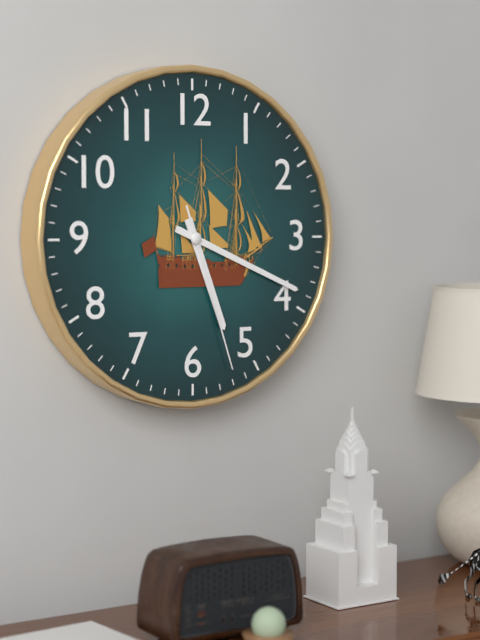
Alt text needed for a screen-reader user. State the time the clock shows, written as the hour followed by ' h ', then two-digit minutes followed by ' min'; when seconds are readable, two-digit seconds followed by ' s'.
5 h 19 min 27 s
